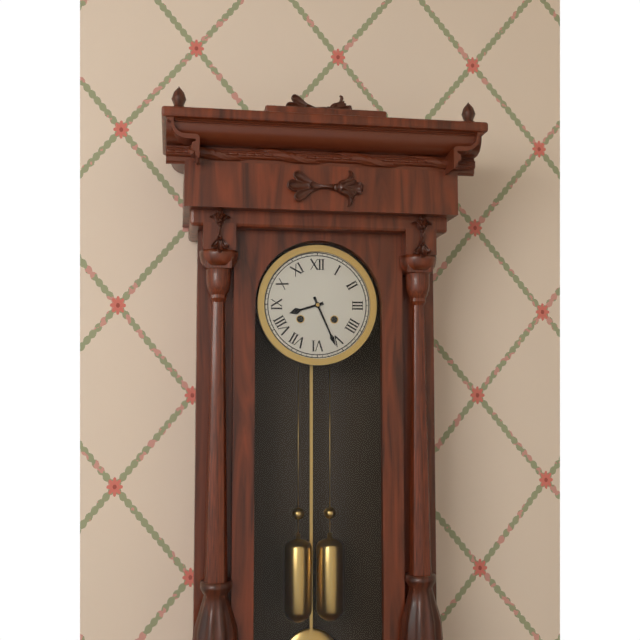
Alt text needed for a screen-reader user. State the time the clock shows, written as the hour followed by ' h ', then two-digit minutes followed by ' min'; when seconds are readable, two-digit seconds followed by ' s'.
8 h 26 min
